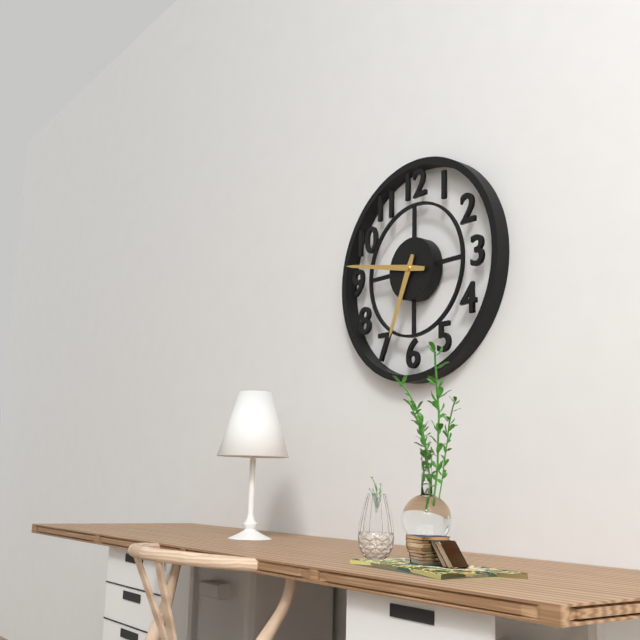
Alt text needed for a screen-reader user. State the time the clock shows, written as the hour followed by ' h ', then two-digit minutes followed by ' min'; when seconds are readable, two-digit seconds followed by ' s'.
6 h 47 min
